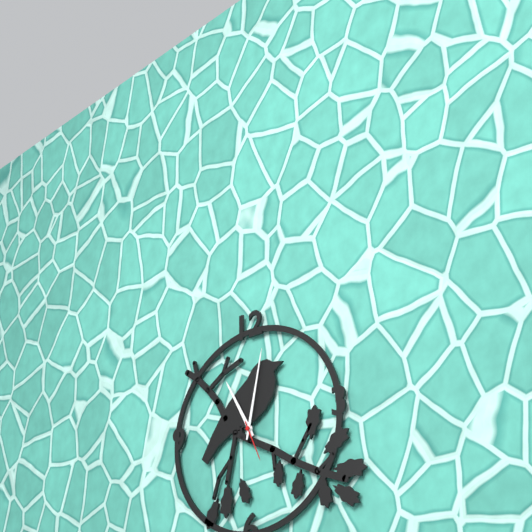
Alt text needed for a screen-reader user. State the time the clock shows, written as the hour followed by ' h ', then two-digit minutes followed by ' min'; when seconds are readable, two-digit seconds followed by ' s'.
11 h 02 min
